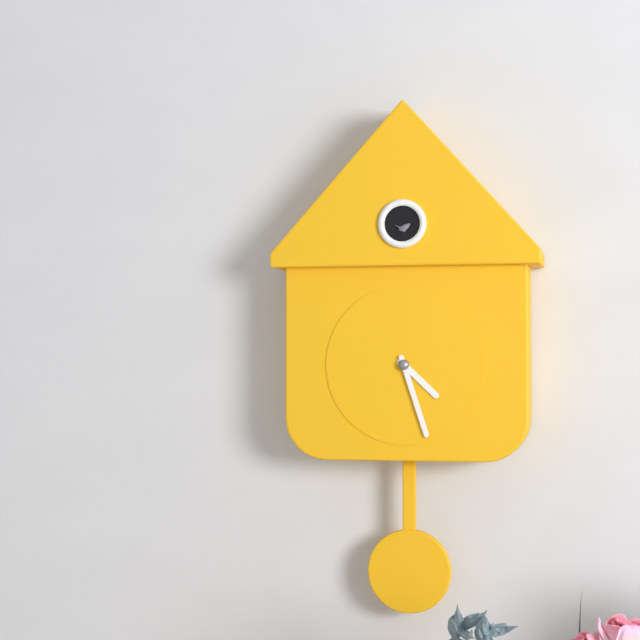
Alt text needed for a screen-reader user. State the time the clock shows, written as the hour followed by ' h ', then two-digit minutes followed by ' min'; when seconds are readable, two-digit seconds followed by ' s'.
4 h 27 min
